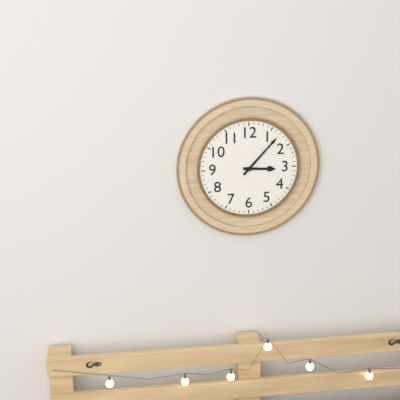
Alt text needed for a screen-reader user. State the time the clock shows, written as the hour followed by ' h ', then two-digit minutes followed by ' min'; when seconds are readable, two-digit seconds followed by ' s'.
3 h 07 min
